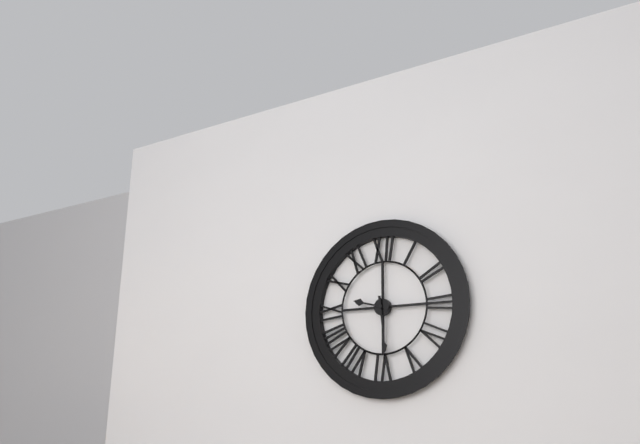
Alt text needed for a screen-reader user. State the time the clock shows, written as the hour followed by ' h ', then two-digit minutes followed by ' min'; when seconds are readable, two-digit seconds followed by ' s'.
9 h 29 min
